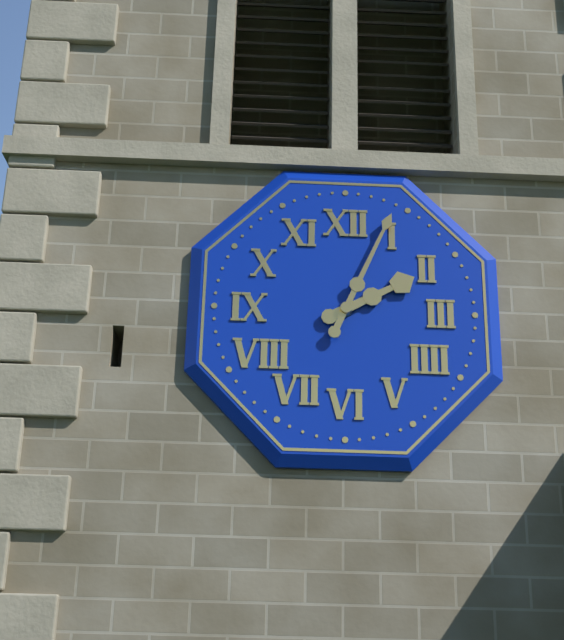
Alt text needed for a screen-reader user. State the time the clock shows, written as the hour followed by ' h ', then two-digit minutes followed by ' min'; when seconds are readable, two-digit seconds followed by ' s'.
2 h 04 min
